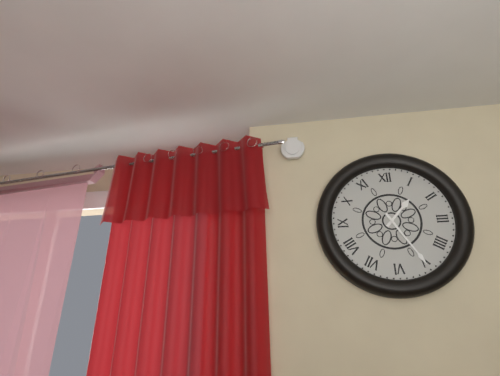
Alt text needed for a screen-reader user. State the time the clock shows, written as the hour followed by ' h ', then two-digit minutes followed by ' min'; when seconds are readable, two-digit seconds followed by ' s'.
1 h 25 min
